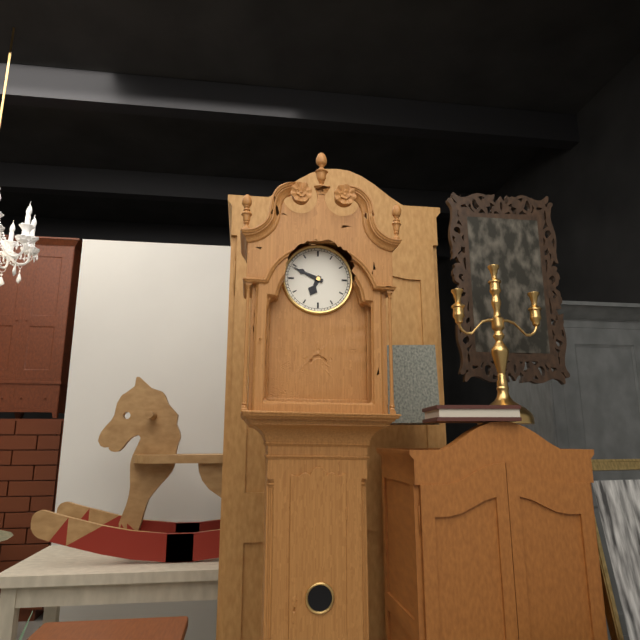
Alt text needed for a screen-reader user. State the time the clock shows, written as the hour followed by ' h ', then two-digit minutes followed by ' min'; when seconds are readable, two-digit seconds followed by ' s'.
6 h 49 min
